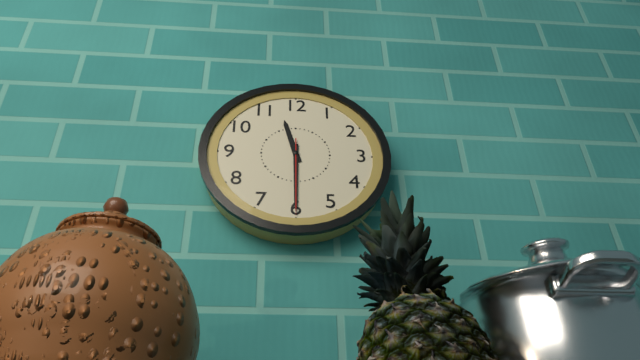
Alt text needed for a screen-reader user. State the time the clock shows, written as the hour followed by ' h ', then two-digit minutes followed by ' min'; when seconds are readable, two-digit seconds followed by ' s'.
11 h 30 min 30 s
